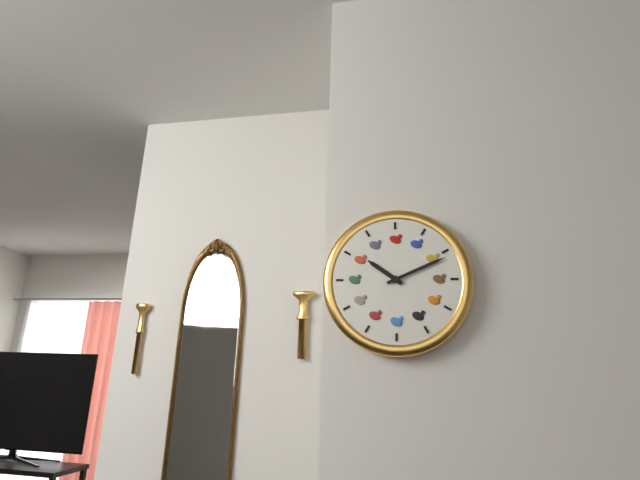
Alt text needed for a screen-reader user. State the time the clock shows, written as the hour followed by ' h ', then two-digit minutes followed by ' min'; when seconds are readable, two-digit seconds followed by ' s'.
10 h 11 min
